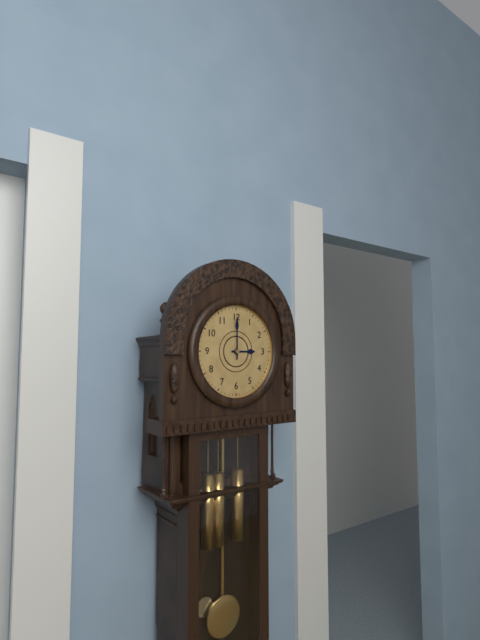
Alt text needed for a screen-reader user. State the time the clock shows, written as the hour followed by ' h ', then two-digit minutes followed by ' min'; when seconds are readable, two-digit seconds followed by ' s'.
3 h 00 min
